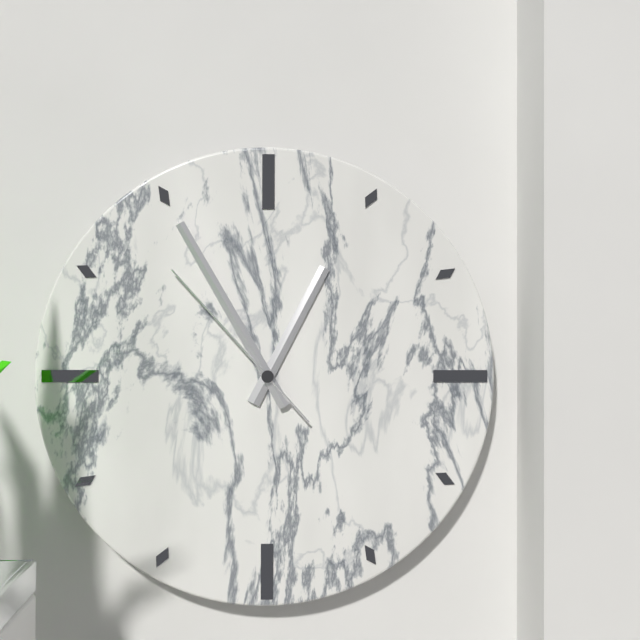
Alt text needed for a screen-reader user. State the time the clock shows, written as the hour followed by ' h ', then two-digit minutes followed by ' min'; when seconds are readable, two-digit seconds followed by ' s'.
12 h 55 min 53 s
